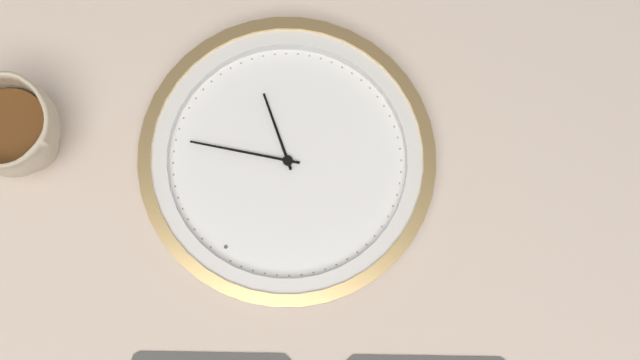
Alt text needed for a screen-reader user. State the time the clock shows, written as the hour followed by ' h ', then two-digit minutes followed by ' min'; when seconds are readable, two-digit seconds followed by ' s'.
4 h 11 min
